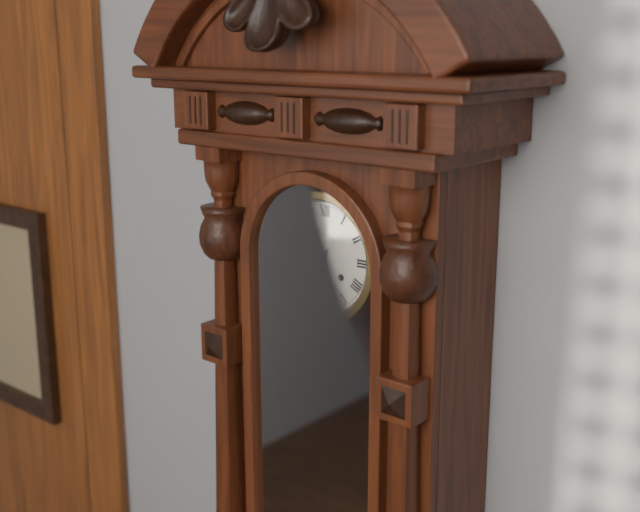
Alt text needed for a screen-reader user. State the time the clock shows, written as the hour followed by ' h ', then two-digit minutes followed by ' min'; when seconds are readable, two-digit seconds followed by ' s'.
6 h 56 min
